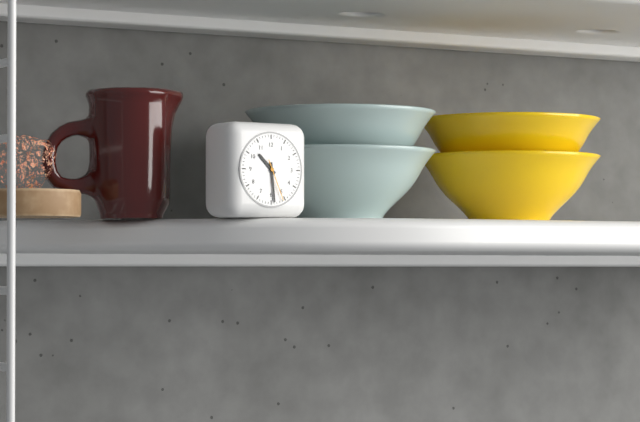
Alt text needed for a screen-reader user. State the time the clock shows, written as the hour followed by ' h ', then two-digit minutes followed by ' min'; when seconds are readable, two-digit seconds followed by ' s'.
10 h 29 min
